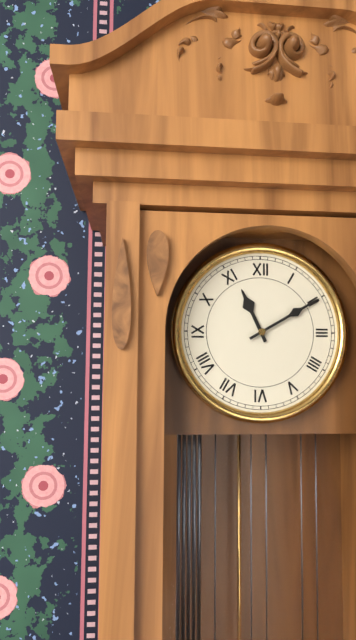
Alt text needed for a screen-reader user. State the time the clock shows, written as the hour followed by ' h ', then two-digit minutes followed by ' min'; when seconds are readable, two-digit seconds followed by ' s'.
11 h 10 min
